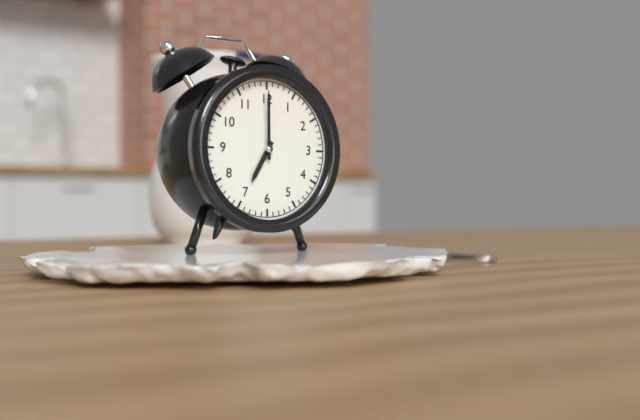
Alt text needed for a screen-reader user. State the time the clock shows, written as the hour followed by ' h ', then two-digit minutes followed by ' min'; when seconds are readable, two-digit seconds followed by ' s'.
7 h 00 min
